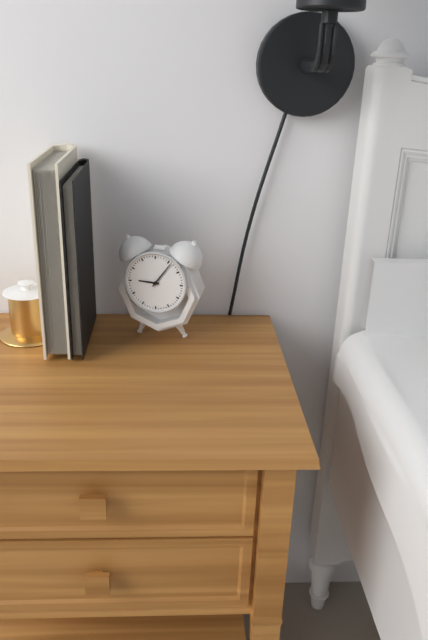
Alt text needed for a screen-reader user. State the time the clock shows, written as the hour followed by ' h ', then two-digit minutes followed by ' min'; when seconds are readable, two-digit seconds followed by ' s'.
9 h 06 min
